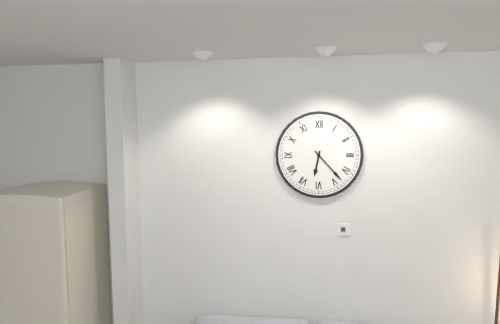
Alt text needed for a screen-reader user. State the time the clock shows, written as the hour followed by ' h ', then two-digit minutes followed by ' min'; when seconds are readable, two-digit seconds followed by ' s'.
6 h 23 min
